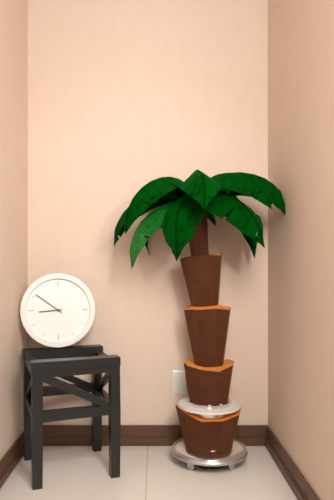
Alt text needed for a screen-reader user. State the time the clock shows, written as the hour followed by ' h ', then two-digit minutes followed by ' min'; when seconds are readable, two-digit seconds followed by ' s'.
8 h 51 min
